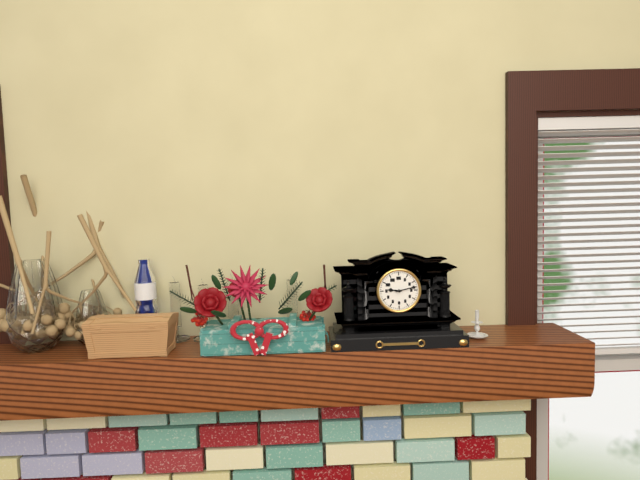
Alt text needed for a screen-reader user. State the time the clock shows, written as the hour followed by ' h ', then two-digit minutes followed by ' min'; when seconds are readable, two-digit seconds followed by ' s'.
9 h 13 min
